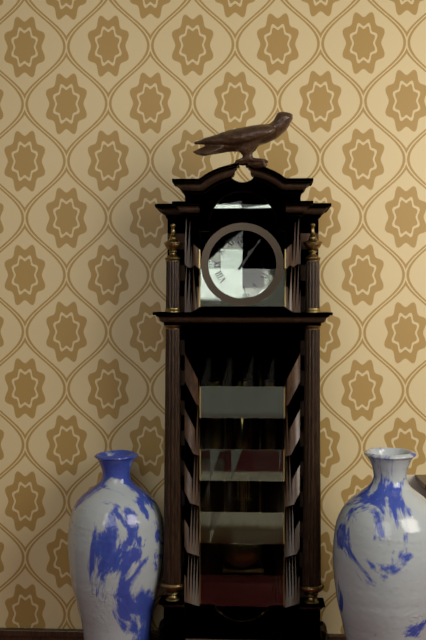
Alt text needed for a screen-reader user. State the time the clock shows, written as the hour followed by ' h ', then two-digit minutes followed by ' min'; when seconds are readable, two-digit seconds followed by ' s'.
1 h 06 min
